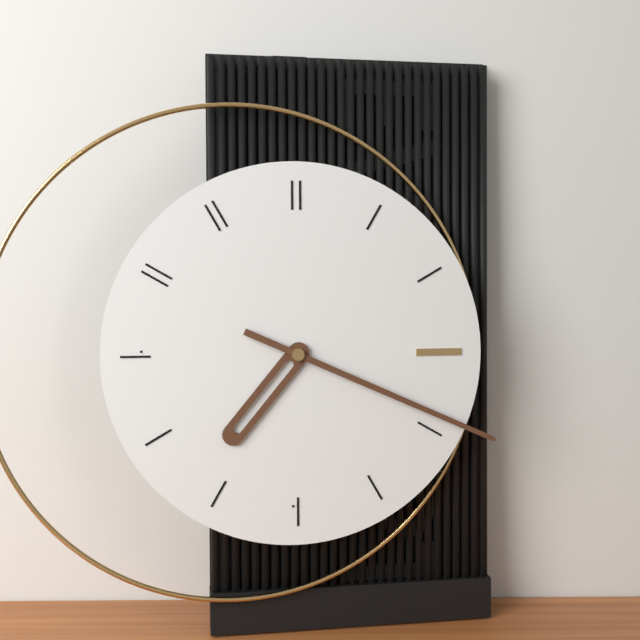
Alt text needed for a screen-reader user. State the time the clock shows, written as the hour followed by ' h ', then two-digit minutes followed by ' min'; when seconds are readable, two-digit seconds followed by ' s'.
7 h 19 min
